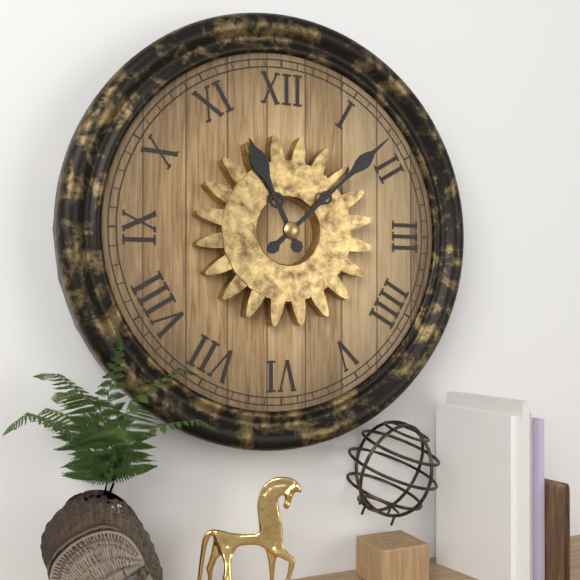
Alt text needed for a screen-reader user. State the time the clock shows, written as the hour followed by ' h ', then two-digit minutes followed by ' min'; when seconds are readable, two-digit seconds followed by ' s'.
11 h 08 min
